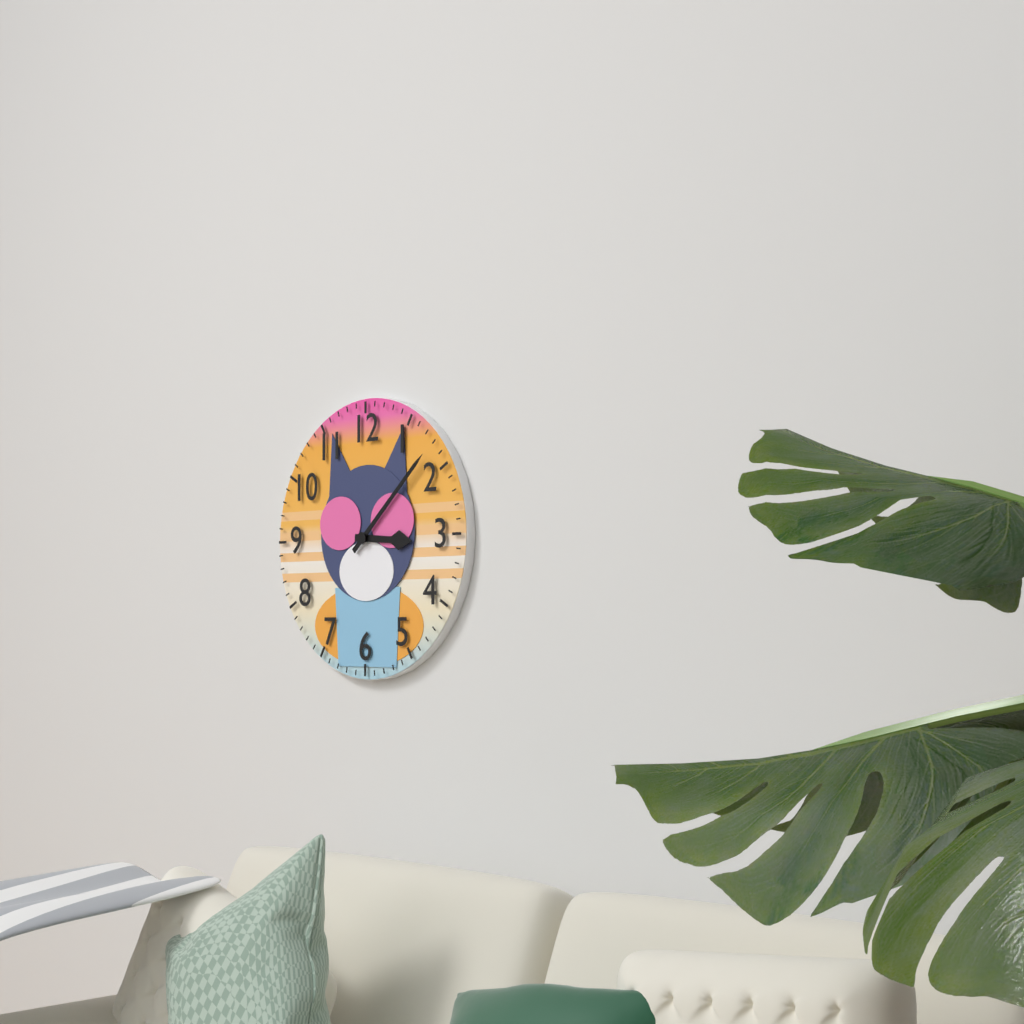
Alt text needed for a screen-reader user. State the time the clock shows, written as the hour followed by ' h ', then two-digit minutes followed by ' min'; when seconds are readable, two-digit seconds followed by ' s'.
3 h 08 min
